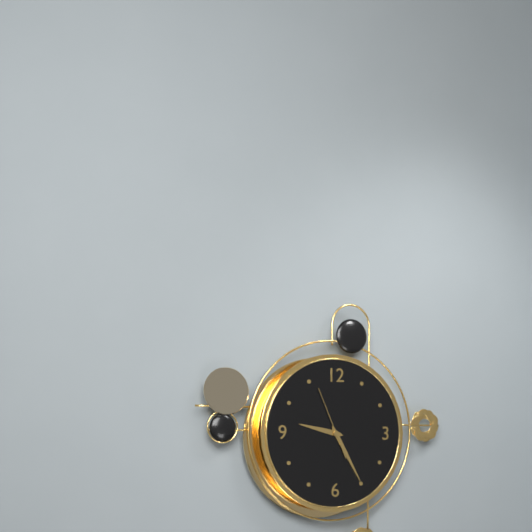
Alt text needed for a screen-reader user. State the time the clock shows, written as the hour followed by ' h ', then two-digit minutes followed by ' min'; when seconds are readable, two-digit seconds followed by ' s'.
9 h 25 min 56 s
